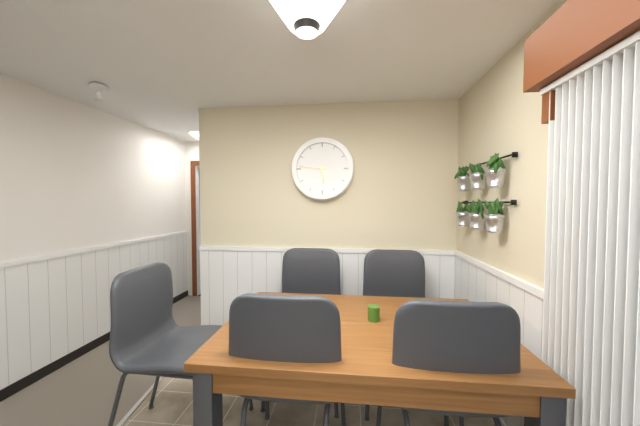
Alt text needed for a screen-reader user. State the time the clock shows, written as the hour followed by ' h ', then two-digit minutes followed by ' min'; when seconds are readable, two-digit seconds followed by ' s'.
5 h 46 min
